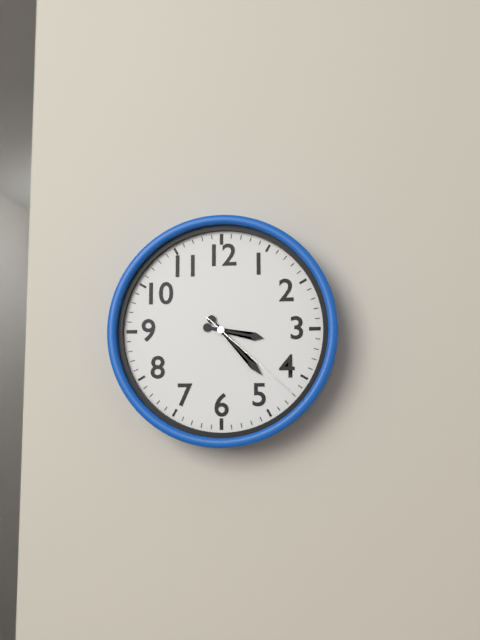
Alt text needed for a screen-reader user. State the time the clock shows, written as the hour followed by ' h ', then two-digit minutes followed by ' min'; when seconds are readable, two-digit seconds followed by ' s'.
3 h 23 min 22 s
